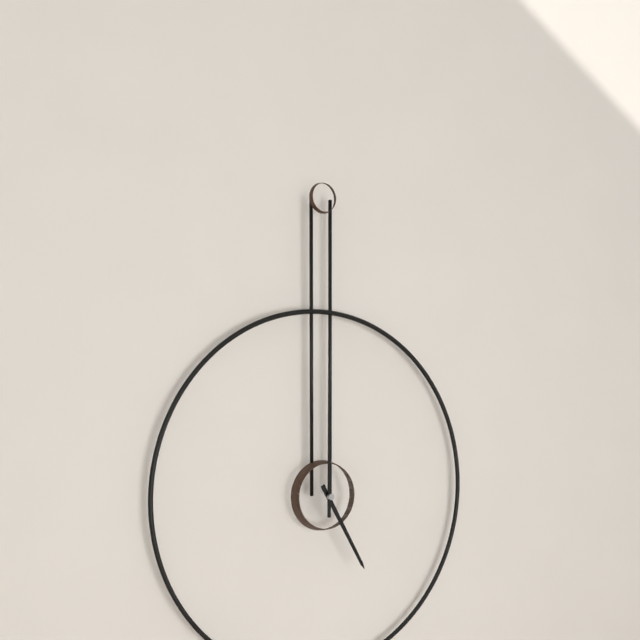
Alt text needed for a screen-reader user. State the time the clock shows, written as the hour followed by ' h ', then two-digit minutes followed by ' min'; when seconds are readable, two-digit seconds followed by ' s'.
5 h 00 min
